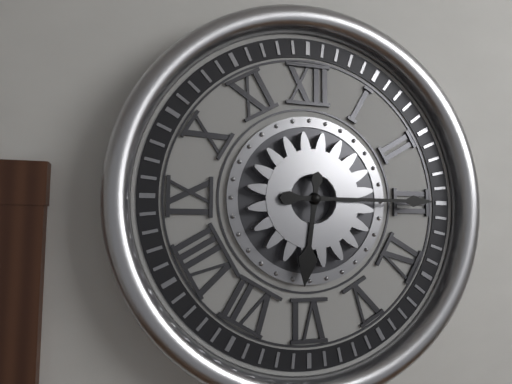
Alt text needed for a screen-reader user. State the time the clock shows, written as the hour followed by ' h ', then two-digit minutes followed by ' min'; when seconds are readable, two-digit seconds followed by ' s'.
6 h 15 min
